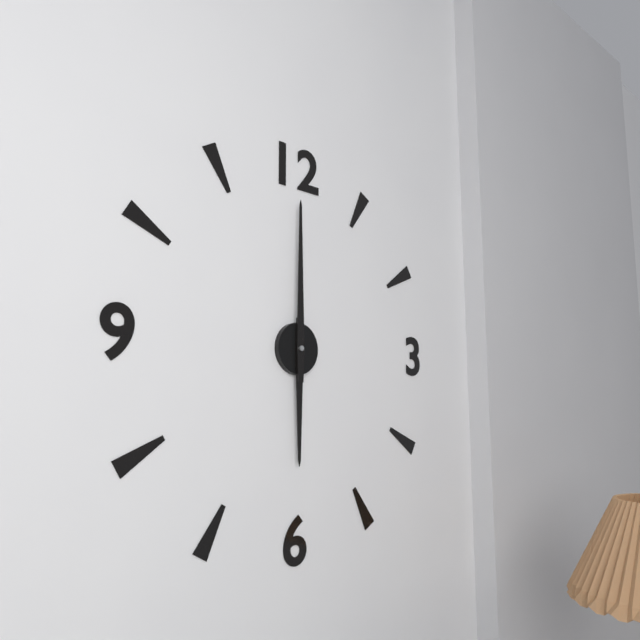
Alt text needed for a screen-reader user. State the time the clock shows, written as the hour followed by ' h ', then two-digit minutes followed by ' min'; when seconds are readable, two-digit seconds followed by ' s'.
6 h 00 min
